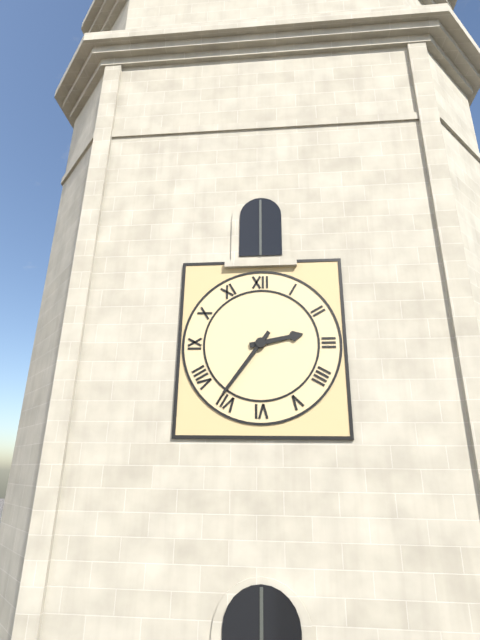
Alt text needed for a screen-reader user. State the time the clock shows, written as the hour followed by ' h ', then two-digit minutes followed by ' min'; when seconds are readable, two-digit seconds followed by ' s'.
2 h 36 min
